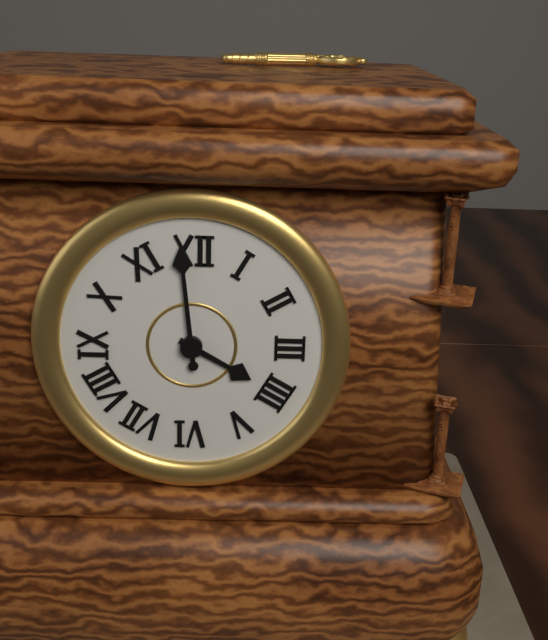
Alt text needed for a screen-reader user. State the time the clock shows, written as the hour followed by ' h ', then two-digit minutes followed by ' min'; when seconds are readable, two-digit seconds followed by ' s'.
3 h 59 min
